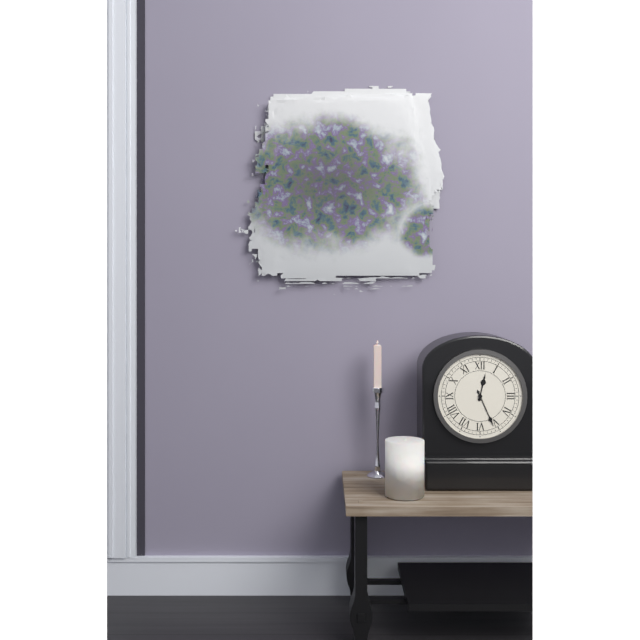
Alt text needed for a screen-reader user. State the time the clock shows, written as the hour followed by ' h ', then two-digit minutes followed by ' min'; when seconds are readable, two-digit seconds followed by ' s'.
12 h 26 min
